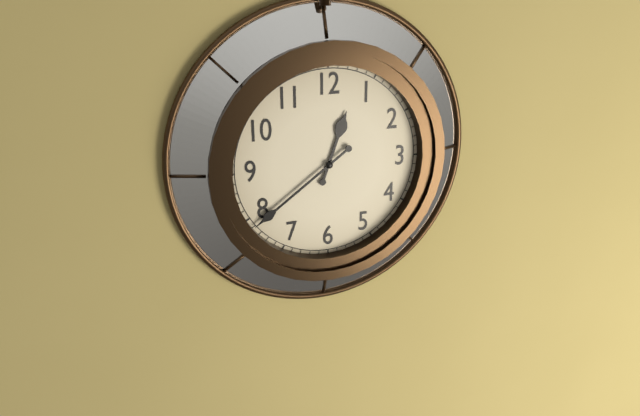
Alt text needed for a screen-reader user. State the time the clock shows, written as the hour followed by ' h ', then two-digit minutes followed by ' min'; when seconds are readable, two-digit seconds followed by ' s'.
12 h 39 min
